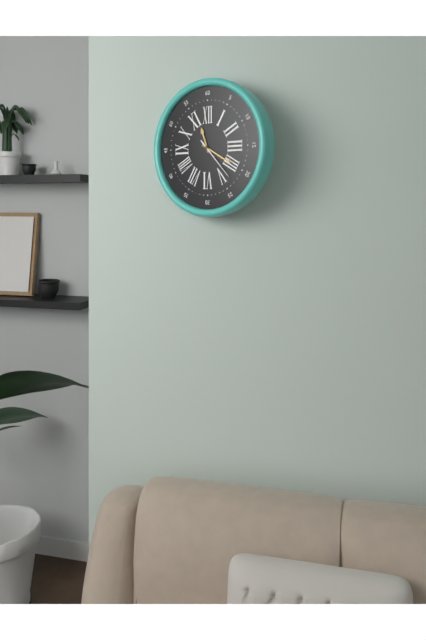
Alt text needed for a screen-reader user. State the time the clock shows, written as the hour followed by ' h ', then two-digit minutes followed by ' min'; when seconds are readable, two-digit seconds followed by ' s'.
11 h 20 min
